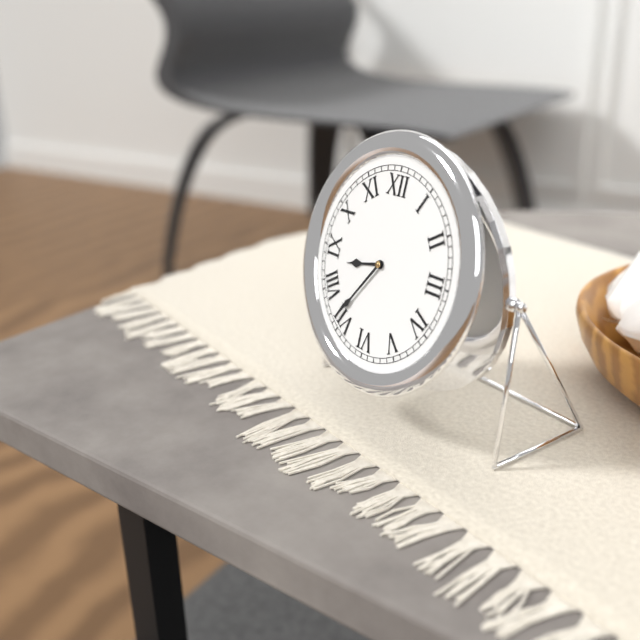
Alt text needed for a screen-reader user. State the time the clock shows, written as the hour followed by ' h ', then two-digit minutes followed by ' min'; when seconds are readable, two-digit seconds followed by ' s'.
8 h 36 min
